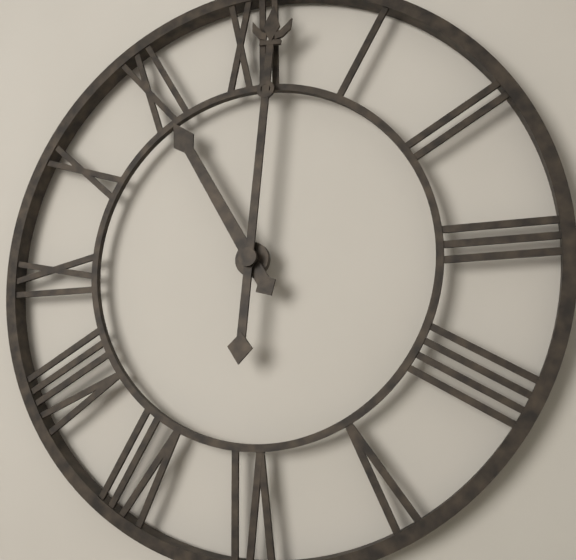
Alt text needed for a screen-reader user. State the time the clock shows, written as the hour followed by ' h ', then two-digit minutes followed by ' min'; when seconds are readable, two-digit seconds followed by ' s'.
11 h 01 min
